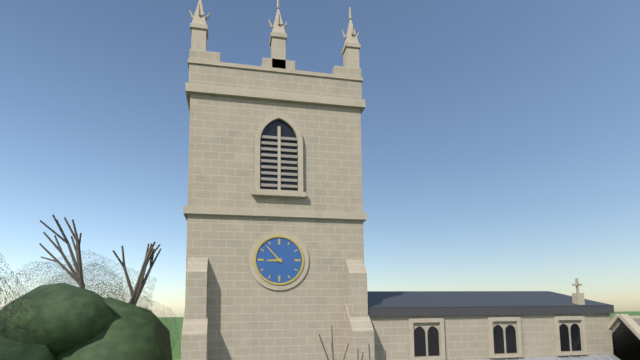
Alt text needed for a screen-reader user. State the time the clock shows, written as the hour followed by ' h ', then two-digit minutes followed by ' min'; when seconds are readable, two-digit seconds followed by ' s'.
8 h 53 min
